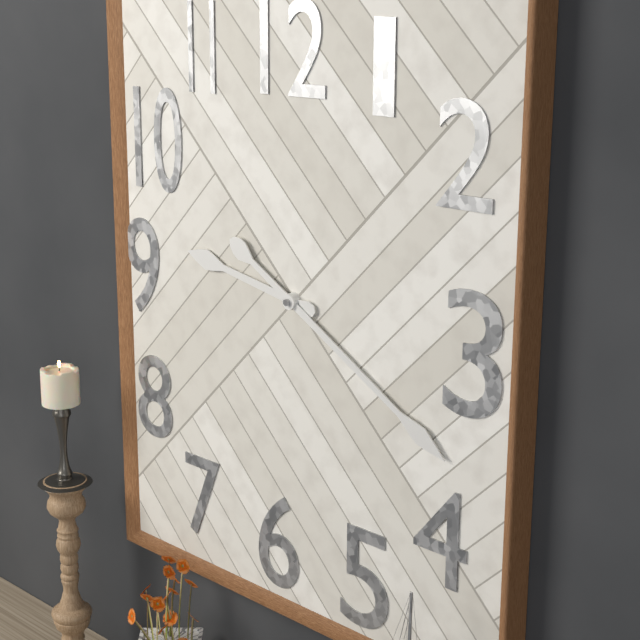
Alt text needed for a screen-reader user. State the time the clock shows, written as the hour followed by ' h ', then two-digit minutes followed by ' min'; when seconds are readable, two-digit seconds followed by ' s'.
9 h 20 min
